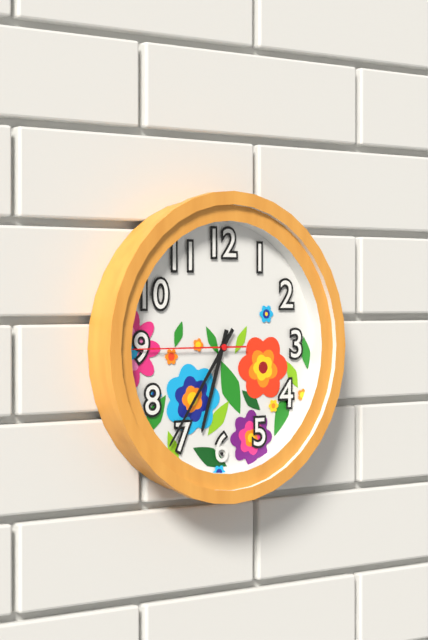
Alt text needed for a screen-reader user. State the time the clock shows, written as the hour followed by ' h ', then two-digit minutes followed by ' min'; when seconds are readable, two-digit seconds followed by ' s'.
6 h 36 min 45 s
